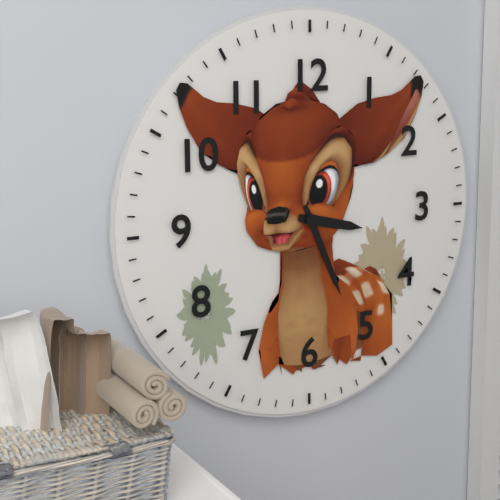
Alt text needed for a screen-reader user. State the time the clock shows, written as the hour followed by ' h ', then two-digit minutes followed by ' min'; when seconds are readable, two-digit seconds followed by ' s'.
3 h 26 min
